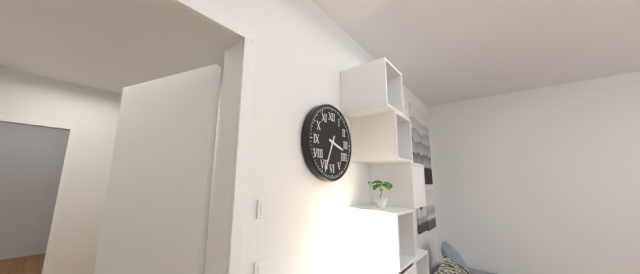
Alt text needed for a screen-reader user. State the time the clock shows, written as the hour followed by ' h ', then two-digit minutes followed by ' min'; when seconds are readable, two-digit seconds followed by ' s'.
3 h 34 min
